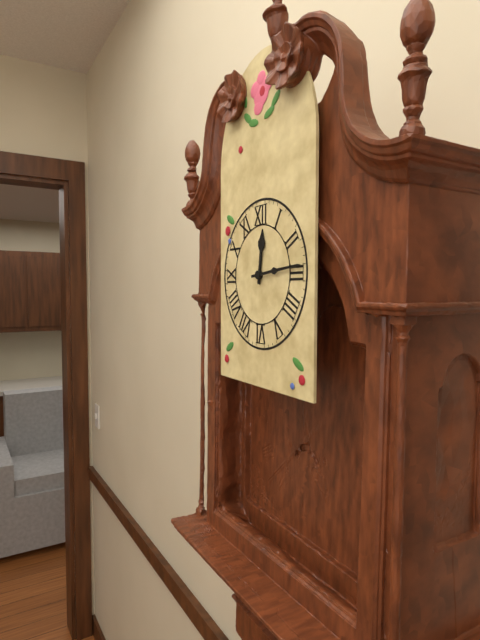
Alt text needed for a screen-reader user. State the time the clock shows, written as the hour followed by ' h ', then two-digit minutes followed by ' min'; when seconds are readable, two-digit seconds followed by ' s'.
12 h 14 min
